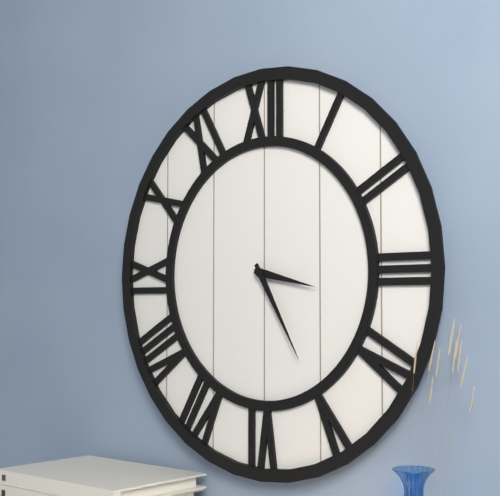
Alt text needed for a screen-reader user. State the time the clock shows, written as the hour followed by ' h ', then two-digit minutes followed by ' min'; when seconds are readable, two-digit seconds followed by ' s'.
3 h 25 min
